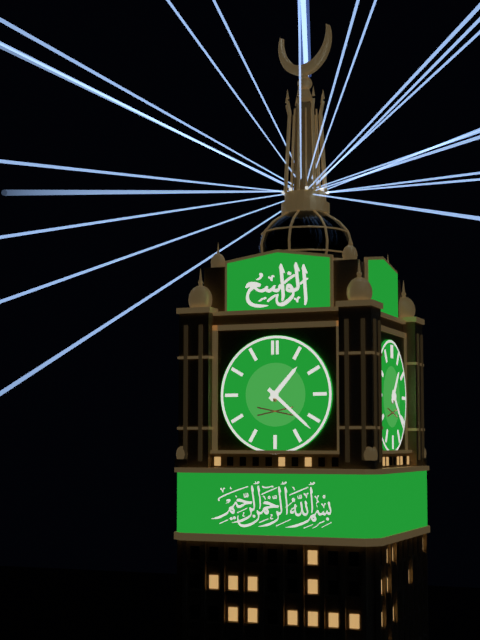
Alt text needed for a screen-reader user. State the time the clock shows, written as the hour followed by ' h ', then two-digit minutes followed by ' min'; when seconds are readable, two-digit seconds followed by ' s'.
1 h 22 min
